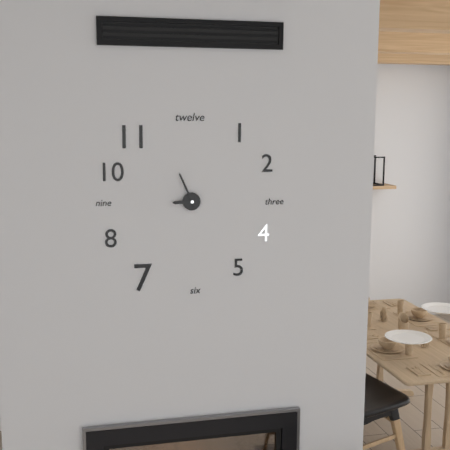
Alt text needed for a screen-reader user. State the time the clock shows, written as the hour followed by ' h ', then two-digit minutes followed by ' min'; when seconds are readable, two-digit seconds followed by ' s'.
8 h 56 min
